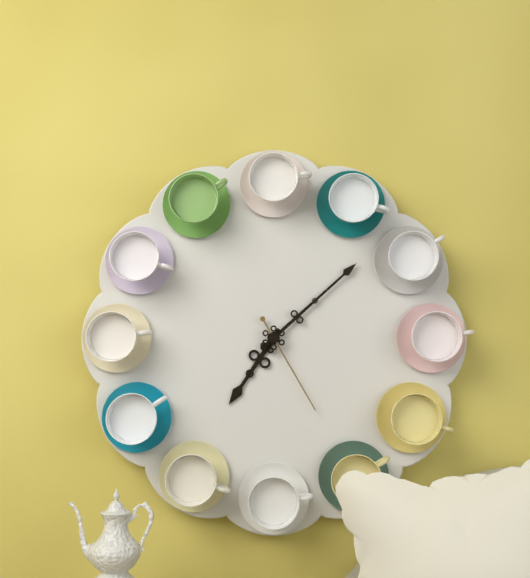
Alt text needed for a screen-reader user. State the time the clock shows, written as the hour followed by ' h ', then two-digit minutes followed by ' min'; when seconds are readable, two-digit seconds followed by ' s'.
7 h 08 min 25 s
